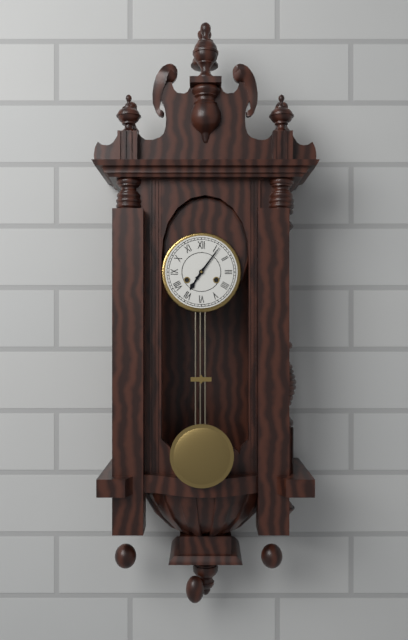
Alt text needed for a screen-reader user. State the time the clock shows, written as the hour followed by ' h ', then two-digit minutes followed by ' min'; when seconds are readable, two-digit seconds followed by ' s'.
7 h 06 min
